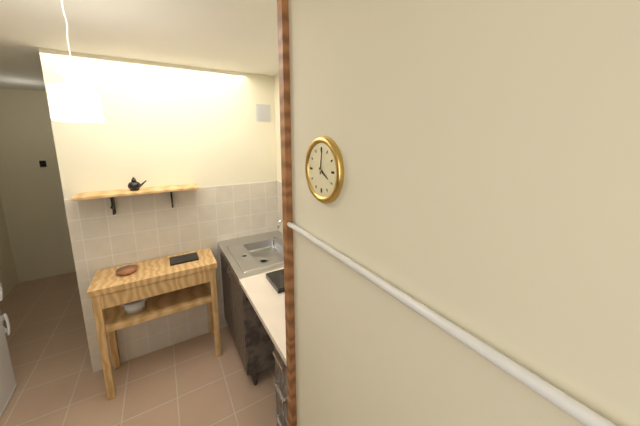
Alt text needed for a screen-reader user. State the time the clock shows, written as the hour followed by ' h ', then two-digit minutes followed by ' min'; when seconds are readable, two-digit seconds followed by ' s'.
4 h 01 min
